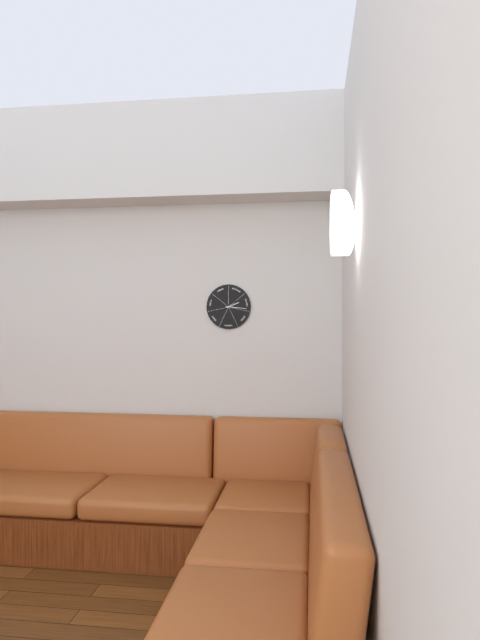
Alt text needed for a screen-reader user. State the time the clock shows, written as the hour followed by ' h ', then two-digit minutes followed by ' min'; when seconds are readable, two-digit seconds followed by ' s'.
2 h 16 min
